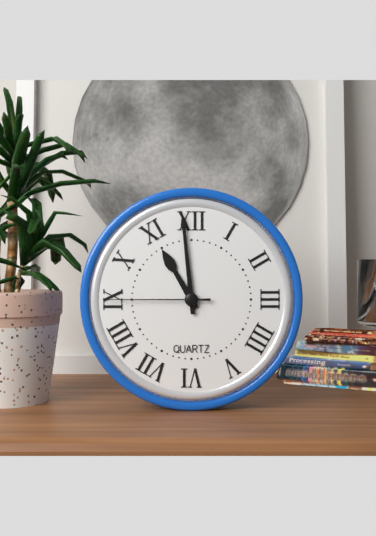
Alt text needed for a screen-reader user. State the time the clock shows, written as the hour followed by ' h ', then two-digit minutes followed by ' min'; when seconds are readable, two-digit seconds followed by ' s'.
10 h 59 min 45 s
